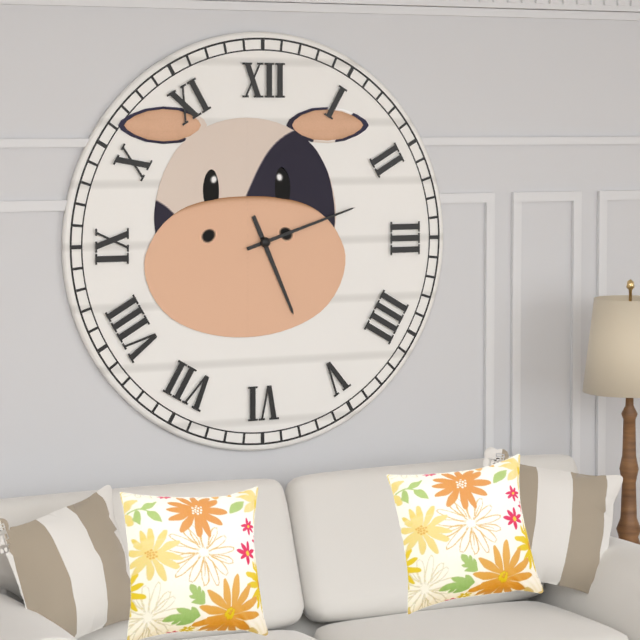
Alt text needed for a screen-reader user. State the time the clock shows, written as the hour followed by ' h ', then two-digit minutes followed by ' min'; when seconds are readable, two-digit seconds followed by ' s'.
5 h 12 min
